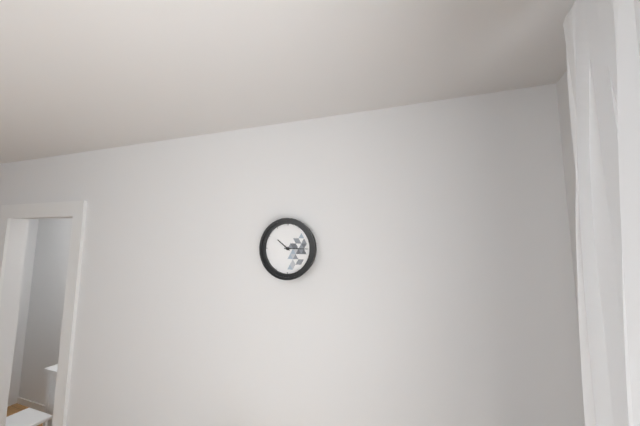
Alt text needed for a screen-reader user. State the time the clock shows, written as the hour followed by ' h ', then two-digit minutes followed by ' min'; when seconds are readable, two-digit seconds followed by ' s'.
10 h 15 min
